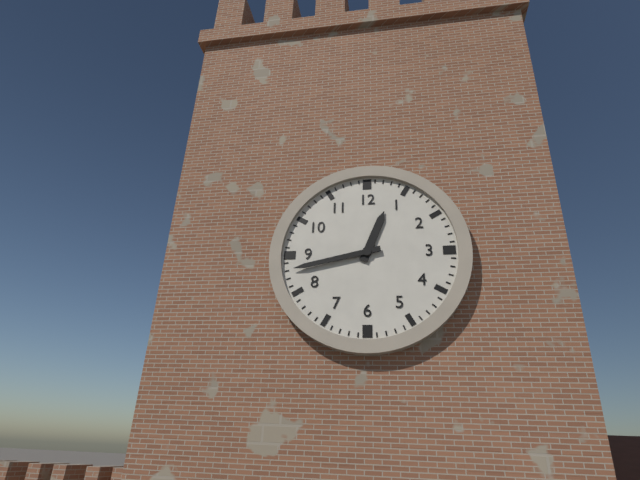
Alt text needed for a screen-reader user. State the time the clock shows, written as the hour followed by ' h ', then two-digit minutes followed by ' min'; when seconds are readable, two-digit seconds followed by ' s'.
12 h 43 min
